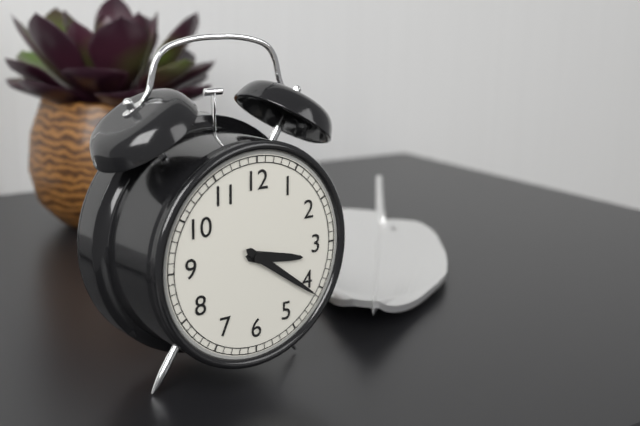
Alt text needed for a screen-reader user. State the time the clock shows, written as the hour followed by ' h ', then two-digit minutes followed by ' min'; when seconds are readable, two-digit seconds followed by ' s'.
3 h 21 min
